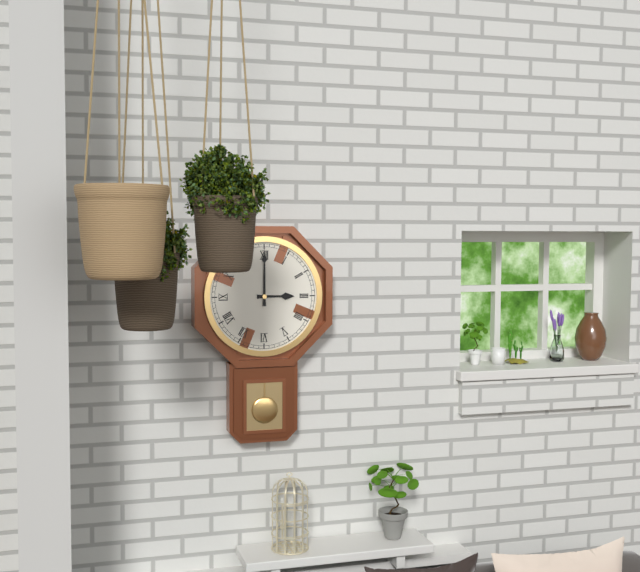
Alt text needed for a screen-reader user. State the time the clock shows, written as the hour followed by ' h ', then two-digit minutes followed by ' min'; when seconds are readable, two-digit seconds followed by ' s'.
3 h 00 min
